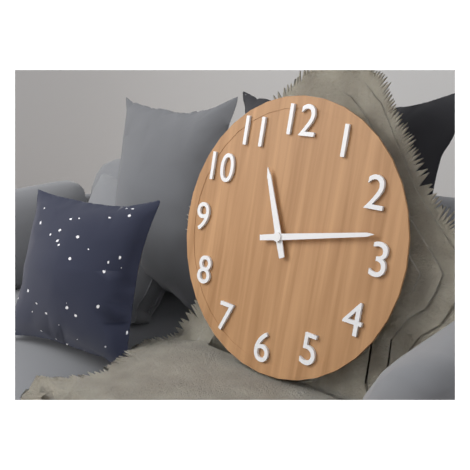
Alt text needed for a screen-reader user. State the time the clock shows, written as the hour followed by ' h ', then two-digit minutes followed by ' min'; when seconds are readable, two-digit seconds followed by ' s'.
11 h 13 min
